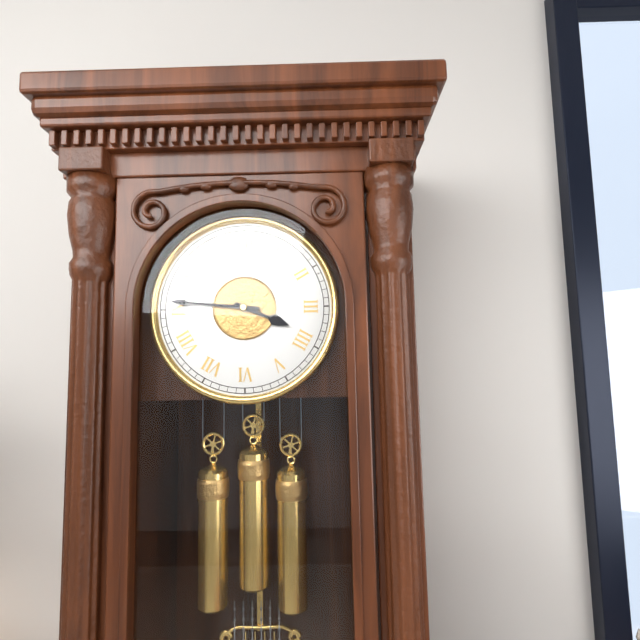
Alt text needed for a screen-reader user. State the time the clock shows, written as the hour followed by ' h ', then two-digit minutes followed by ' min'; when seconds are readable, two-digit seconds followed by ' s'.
3 h 46 min
